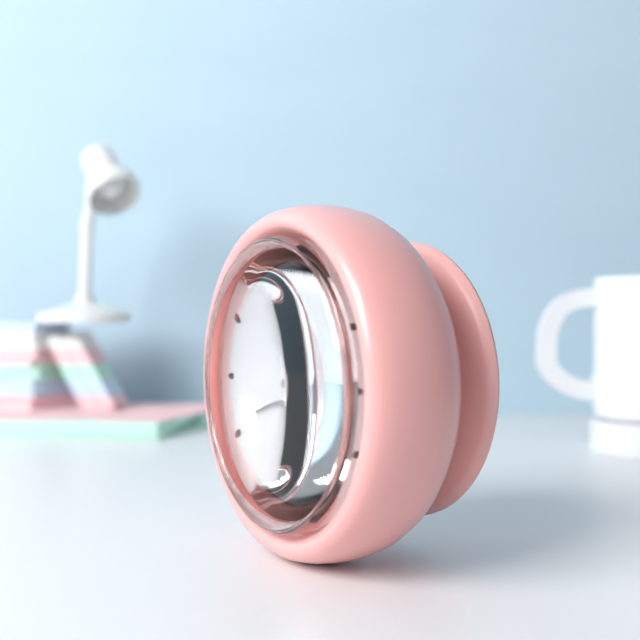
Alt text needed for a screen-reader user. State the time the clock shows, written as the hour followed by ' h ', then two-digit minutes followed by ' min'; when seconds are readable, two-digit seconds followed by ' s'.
8 h 11 min
